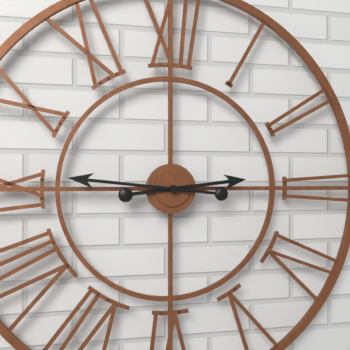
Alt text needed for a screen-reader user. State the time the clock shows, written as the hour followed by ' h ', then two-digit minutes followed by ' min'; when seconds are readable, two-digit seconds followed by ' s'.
2 h 46 min
